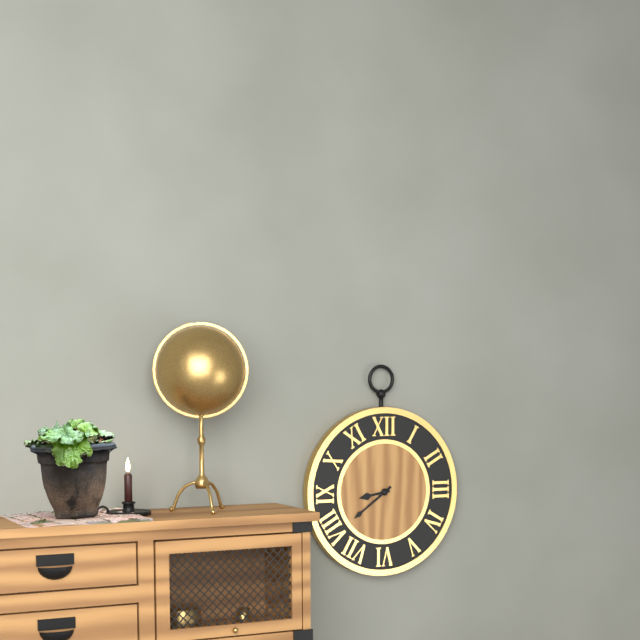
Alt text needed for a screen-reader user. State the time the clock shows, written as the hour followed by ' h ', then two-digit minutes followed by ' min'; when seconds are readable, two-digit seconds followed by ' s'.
8 h 39 min
